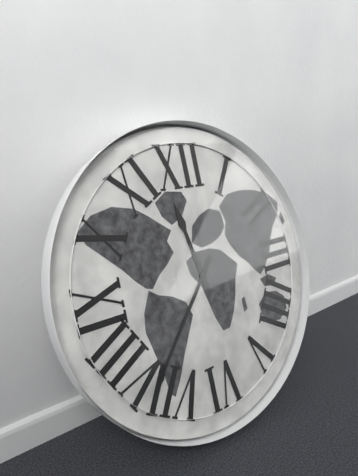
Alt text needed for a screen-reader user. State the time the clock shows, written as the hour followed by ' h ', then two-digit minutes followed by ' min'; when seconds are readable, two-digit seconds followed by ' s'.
11 h 37 min
